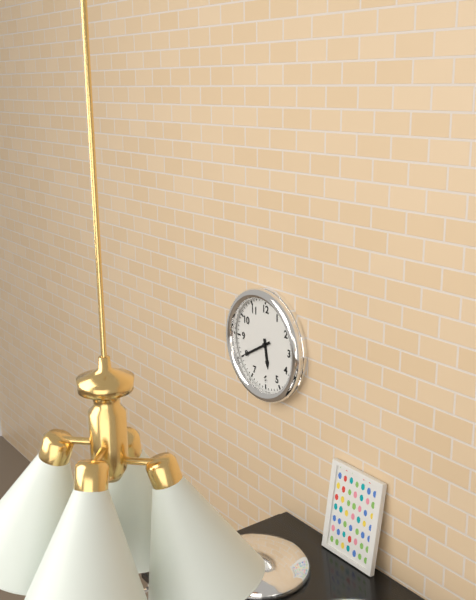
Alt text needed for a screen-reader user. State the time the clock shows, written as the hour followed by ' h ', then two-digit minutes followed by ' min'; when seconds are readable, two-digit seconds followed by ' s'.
5 h 40 min
